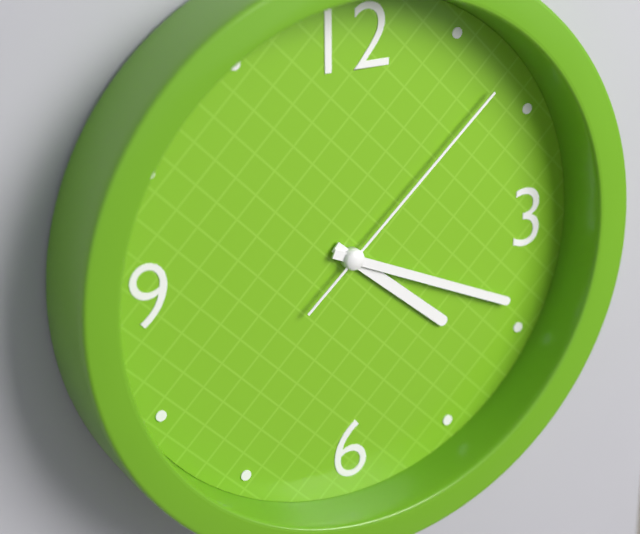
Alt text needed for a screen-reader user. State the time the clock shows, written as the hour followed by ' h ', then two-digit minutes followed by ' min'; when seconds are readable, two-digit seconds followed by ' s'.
4 h 19 min 08 s
